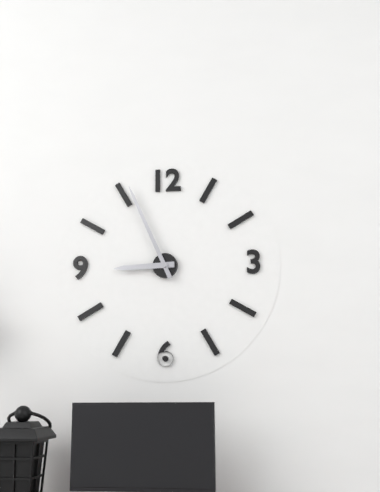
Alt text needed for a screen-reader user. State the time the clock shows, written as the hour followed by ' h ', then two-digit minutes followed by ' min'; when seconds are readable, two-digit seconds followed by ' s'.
8 h 56 min
